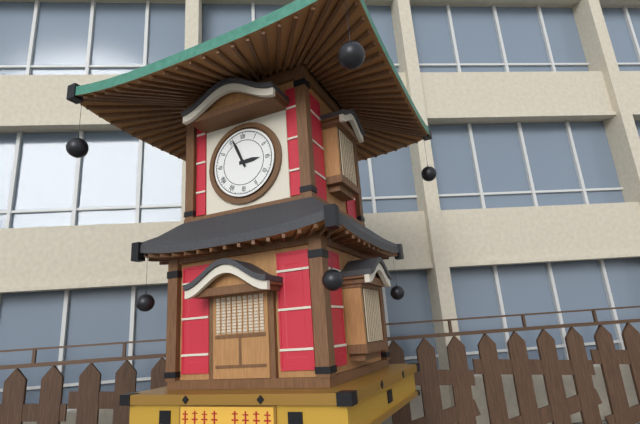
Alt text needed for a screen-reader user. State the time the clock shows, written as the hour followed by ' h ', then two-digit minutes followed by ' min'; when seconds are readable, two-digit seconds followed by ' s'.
2 h 56 min
